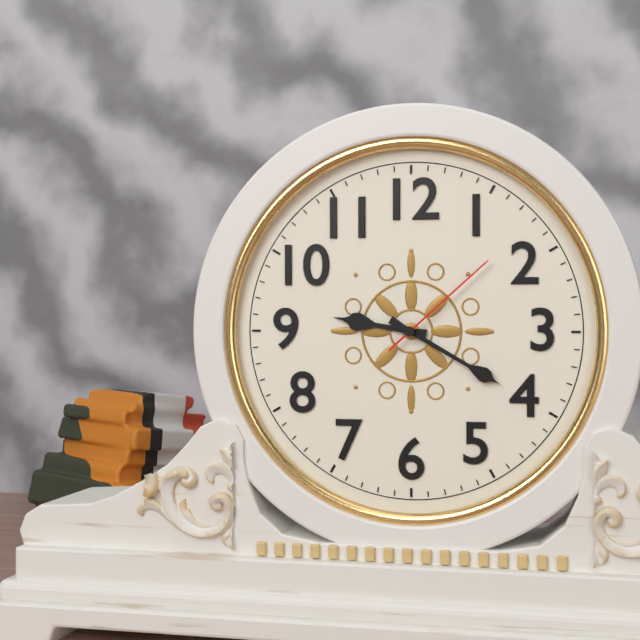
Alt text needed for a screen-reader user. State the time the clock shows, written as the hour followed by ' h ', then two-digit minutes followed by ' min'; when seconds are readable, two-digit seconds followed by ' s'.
9 h 20 min 08 s
